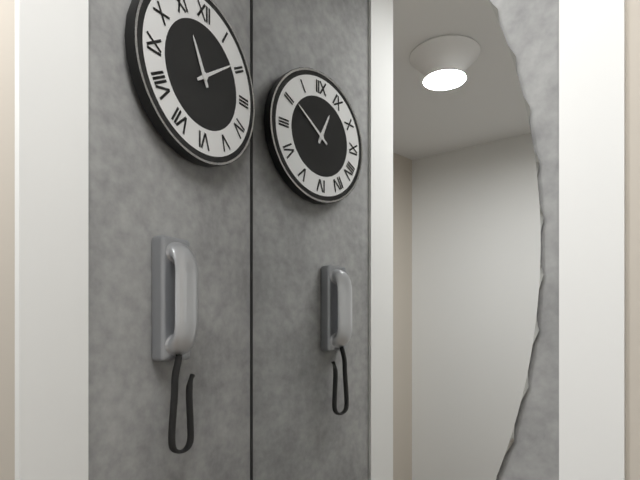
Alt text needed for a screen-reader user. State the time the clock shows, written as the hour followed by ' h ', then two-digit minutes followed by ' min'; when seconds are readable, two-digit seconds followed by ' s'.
11 h 09 min
